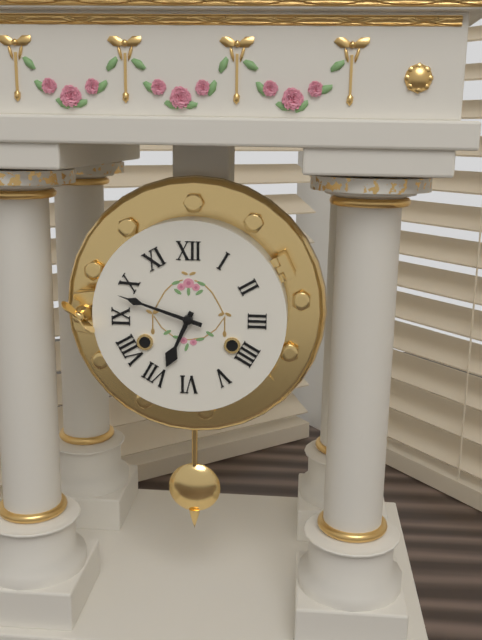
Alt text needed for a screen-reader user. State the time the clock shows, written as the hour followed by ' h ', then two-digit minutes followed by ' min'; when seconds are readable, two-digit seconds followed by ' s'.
6 h 48 min
